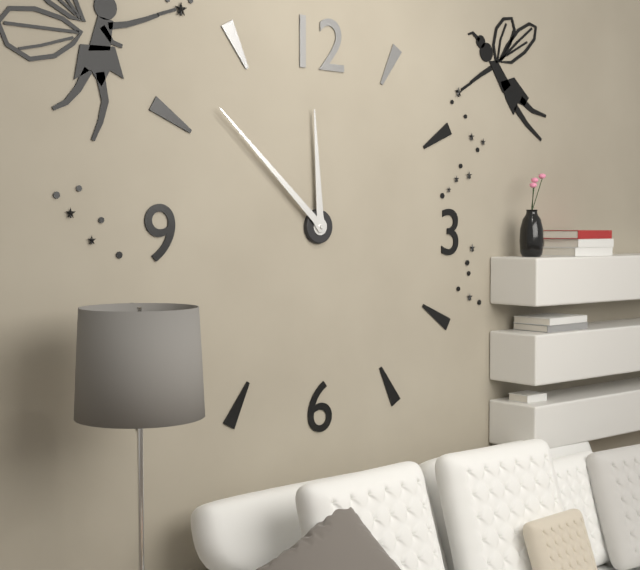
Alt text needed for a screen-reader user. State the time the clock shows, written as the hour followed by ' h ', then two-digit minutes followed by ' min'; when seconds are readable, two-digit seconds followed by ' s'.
11 h 52 min
